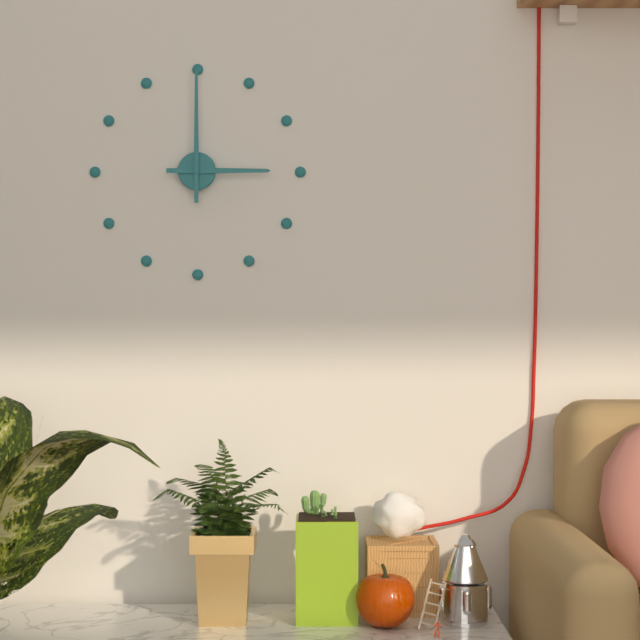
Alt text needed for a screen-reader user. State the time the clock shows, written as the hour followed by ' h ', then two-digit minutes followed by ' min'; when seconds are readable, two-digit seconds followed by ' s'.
3 h 00 min
